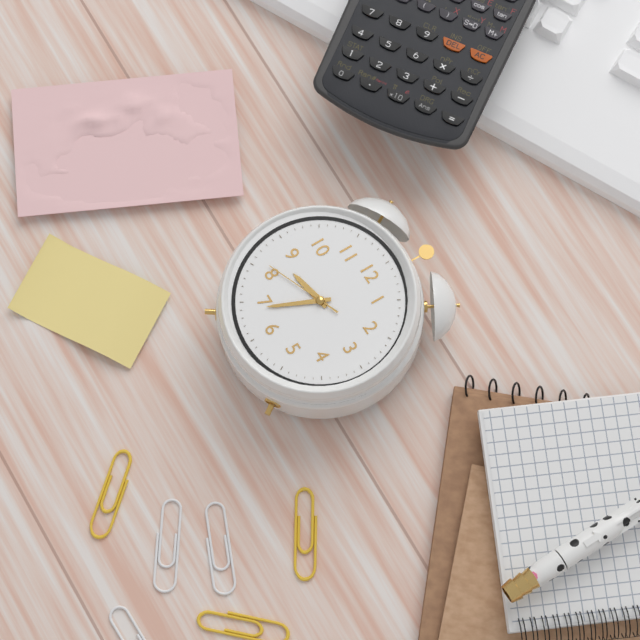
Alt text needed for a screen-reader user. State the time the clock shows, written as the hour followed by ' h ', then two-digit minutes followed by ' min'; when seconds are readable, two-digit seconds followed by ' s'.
8 h 34 min 41 s
